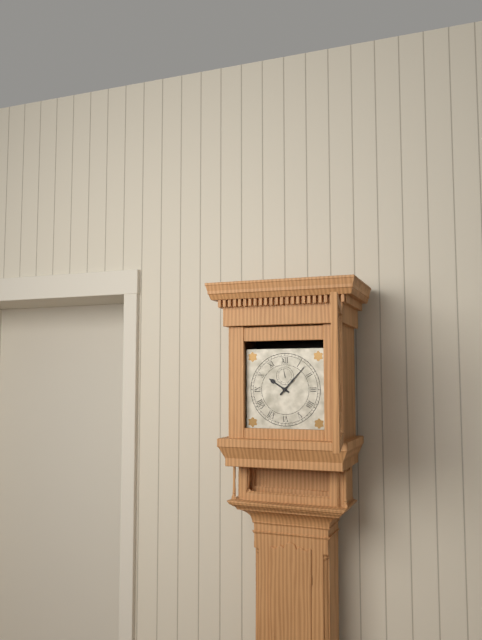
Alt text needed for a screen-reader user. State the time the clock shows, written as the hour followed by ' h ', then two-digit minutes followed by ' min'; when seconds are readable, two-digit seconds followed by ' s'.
10 h 07 min
